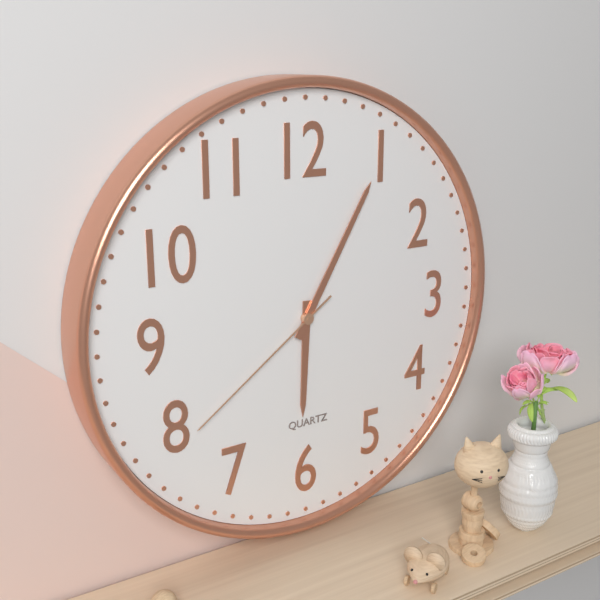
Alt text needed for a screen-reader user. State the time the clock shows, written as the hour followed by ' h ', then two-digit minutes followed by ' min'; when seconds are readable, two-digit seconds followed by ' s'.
6 h 05 min 39 s
